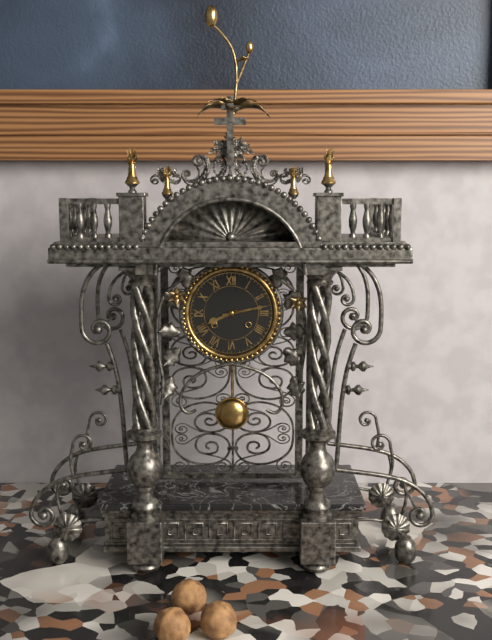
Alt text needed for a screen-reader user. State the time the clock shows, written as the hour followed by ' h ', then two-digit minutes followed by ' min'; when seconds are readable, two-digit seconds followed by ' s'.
8 h 13 min
